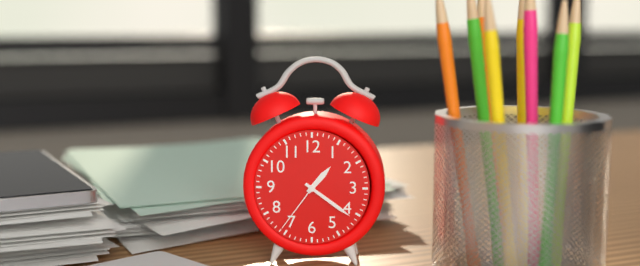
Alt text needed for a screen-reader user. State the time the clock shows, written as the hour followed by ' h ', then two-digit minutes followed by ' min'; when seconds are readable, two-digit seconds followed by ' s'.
1 h 21 min 36 s
